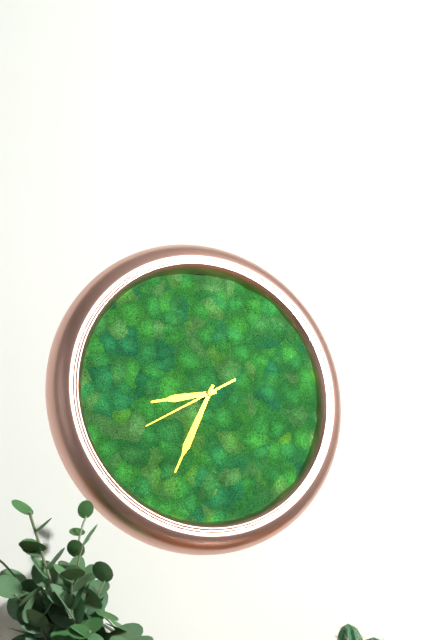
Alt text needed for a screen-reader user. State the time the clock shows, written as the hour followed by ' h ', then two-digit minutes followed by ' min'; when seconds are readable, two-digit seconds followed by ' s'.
8 h 34 min 40 s
